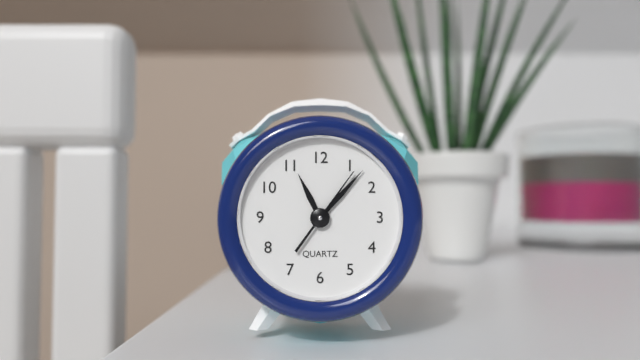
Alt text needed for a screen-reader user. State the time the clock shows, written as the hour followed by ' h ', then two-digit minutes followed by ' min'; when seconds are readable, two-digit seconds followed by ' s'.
11 h 07 min 06 s
